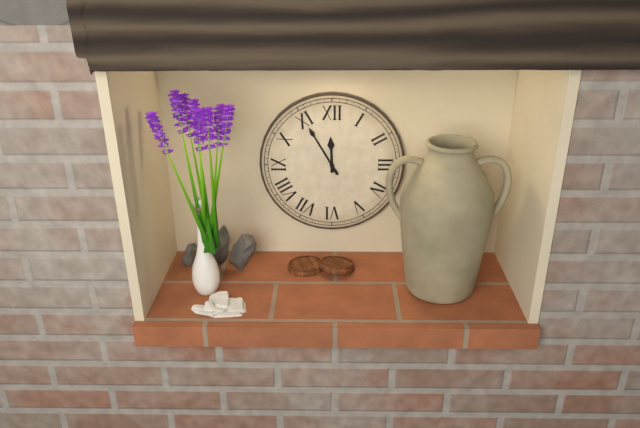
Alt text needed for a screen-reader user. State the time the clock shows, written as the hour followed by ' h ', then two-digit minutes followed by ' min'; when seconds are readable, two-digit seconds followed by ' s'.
11 h 55 min
